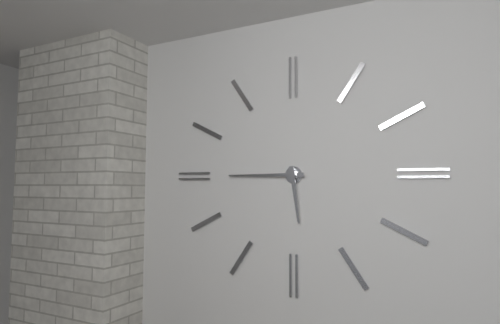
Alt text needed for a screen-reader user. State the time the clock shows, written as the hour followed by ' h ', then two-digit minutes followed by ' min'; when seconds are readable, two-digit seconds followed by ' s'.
5 h 45 min
